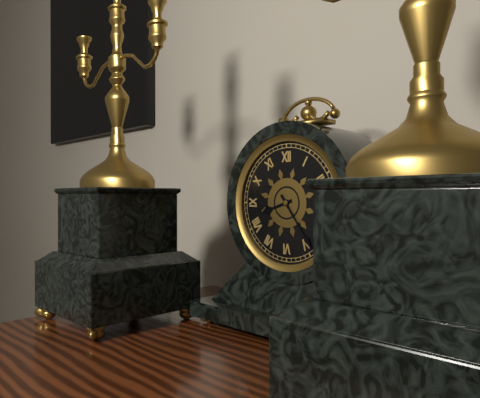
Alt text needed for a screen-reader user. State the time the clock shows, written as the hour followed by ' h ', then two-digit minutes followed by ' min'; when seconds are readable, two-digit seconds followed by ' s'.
8 h 24 min
